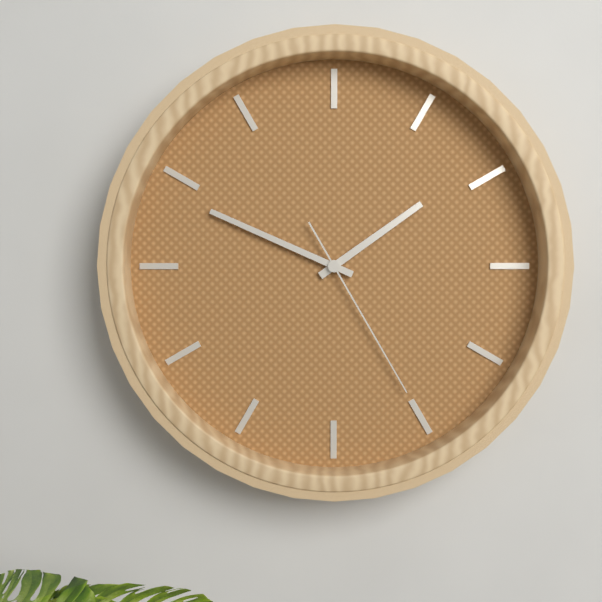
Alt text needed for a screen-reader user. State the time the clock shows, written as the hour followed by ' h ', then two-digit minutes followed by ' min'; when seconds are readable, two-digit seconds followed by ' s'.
1 h 49 min 25 s
